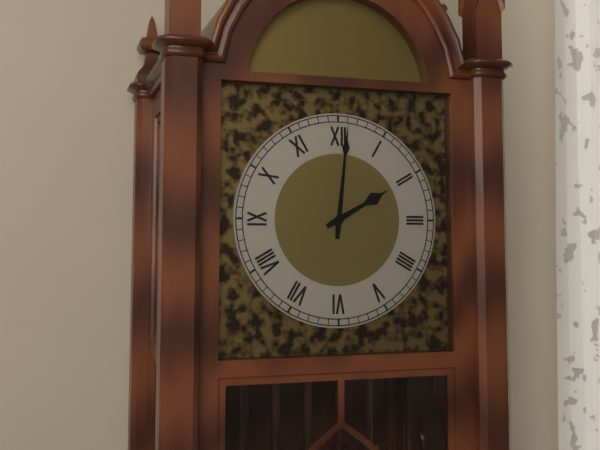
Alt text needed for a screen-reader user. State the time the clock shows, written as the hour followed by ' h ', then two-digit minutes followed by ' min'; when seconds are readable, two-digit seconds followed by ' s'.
2 h 01 min
